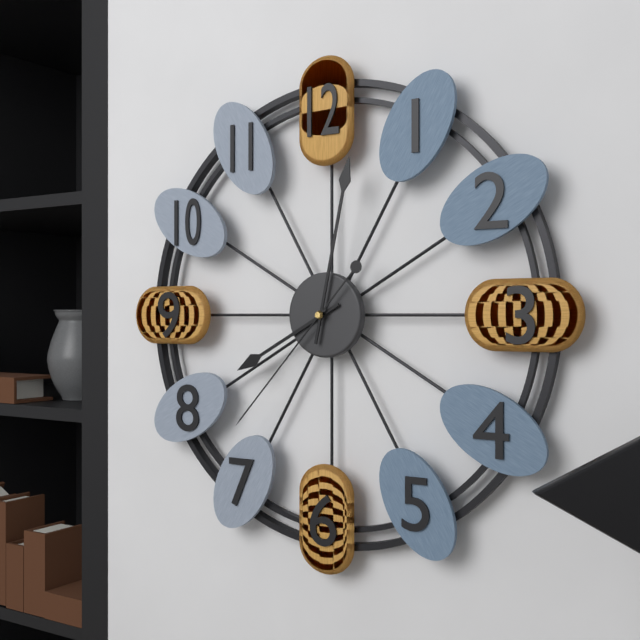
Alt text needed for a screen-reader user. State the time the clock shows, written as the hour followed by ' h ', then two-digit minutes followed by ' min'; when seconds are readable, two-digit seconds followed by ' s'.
8 h 02 min 37 s
